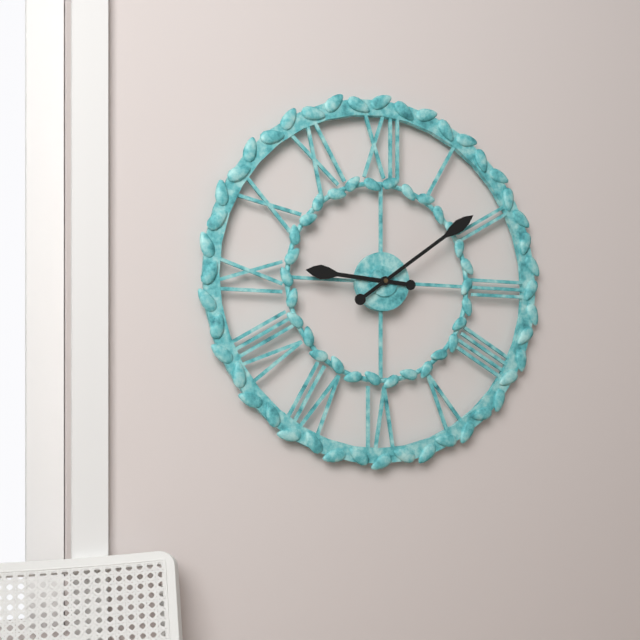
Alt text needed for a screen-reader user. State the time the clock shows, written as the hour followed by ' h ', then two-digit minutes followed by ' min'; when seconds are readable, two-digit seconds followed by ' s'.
9 h 09 min
